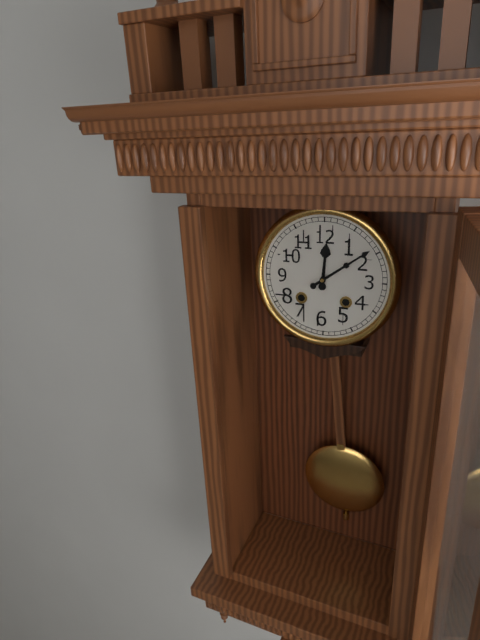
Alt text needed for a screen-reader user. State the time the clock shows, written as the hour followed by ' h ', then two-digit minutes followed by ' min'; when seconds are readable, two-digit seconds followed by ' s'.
12 h 09 min
